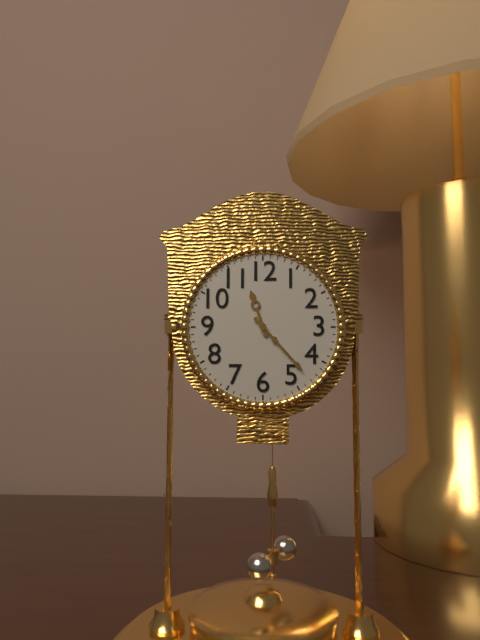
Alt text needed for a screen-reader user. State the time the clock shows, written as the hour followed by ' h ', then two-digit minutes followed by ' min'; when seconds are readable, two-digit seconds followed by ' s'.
11 h 23 min
